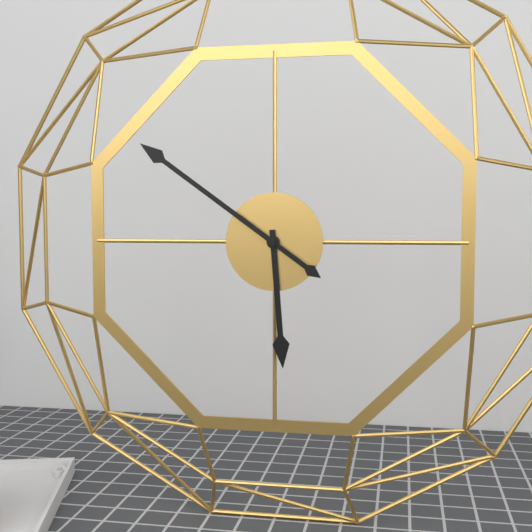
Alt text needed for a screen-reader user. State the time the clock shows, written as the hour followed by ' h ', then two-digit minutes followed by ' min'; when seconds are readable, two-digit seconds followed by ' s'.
5 h 51 min
